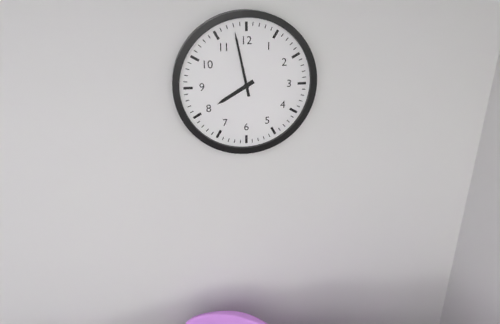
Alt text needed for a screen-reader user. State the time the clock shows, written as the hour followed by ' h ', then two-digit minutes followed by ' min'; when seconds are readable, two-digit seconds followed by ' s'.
7 h 58 min
